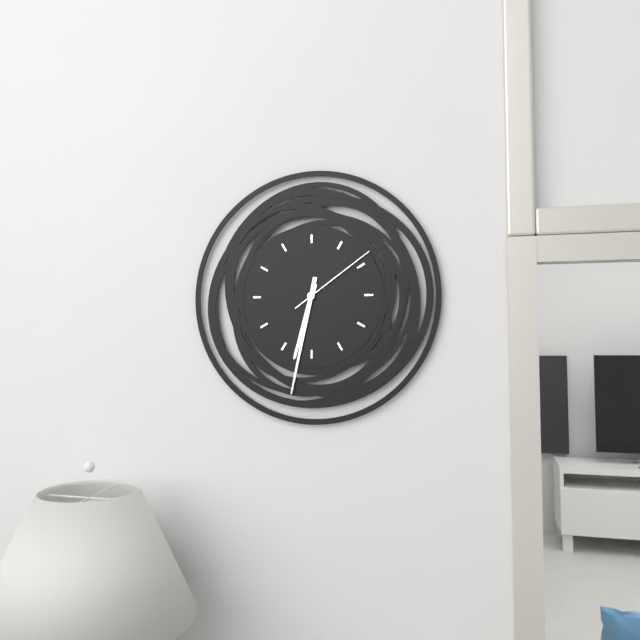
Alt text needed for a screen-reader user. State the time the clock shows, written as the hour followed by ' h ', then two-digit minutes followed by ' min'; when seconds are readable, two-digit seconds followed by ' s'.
6 h 32 min 09 s
